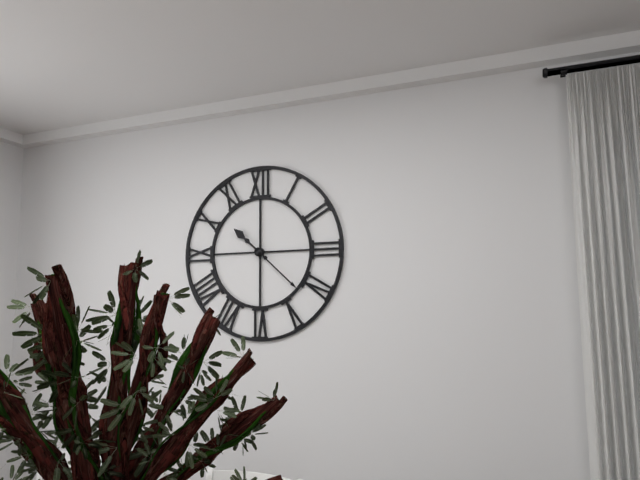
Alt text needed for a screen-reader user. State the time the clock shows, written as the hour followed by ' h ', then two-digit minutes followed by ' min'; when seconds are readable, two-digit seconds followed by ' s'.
10 h 22 min
